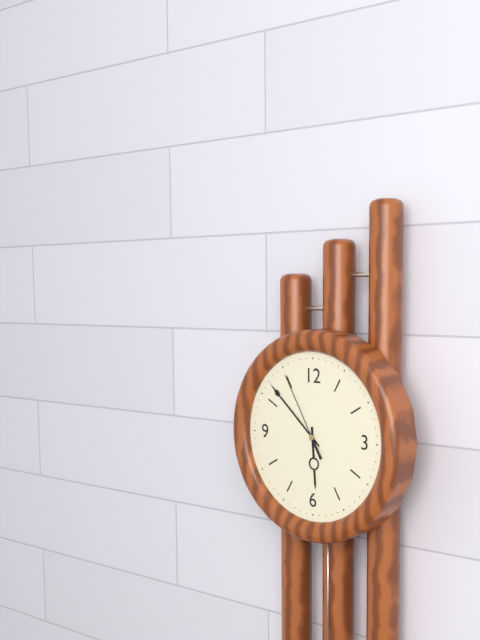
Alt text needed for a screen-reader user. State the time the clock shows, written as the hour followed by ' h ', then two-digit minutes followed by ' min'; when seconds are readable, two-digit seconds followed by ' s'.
5 h 52 min 55 s
